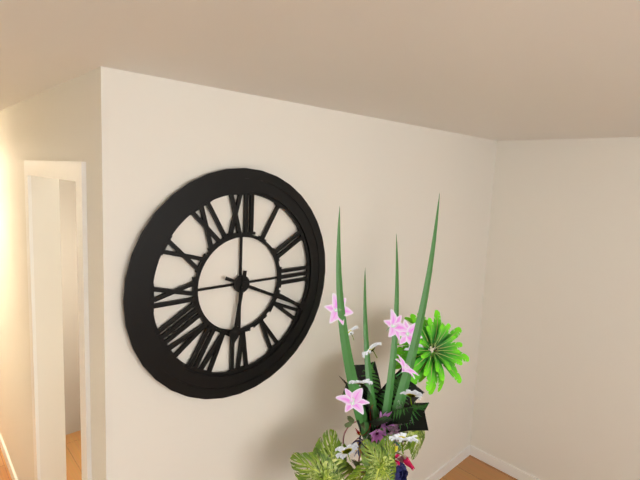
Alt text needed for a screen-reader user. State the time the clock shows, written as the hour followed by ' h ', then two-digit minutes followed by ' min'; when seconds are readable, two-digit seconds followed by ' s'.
6 h 19 min
